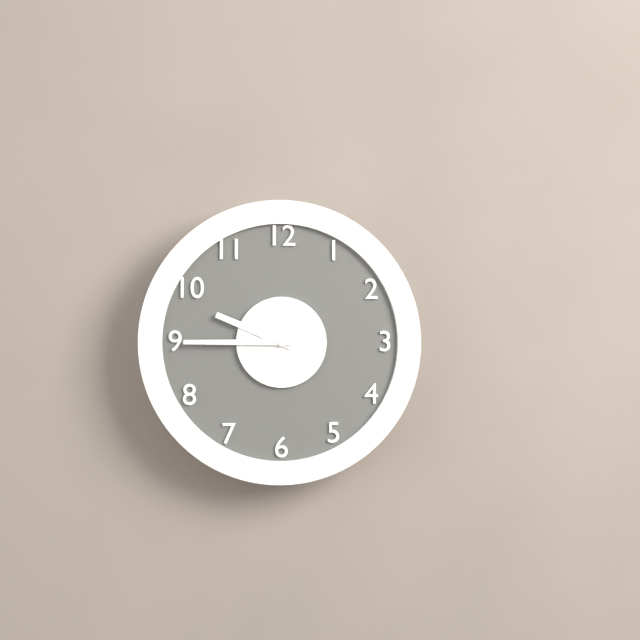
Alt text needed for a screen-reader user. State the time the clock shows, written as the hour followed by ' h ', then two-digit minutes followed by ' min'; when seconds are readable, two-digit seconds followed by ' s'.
9 h 45 min
